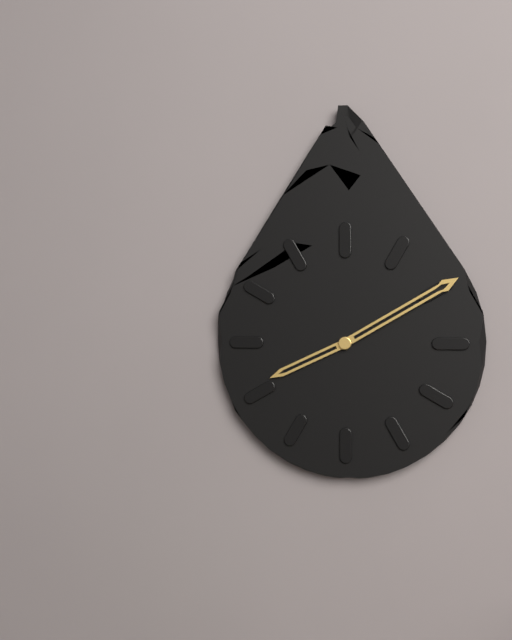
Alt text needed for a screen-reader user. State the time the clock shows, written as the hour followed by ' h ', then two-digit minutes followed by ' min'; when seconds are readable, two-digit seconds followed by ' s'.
8 h 10 min
